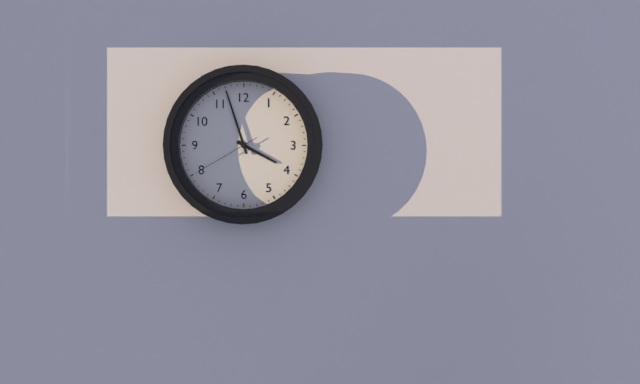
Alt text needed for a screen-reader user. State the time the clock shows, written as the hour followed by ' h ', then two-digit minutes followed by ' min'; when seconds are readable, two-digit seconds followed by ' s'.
3 h 57 min 40 s
